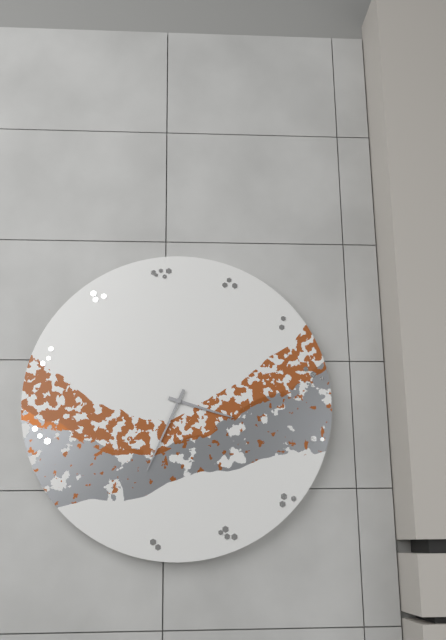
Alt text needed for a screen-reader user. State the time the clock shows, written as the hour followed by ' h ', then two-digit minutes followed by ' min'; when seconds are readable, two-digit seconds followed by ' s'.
3 h 34 min
